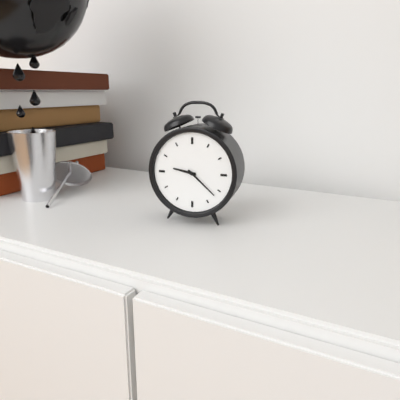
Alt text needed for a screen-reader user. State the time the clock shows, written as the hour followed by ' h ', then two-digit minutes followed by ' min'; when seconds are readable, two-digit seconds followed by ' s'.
9 h 22 min
